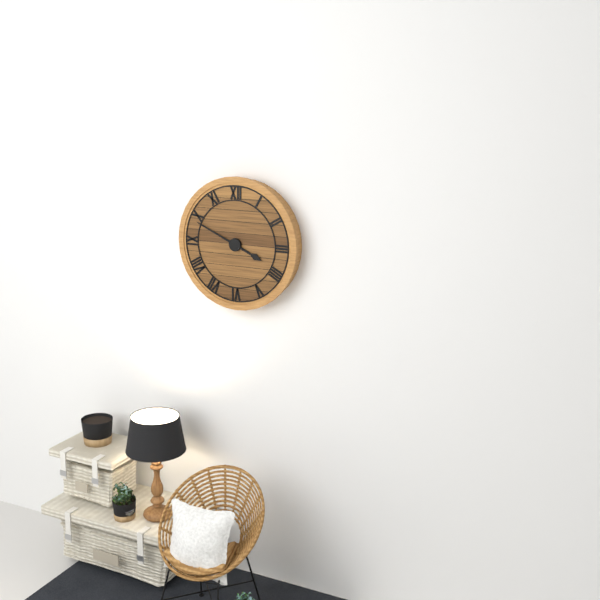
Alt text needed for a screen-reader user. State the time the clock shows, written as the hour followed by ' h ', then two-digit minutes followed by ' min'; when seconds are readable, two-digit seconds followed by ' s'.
3 h 49 min
